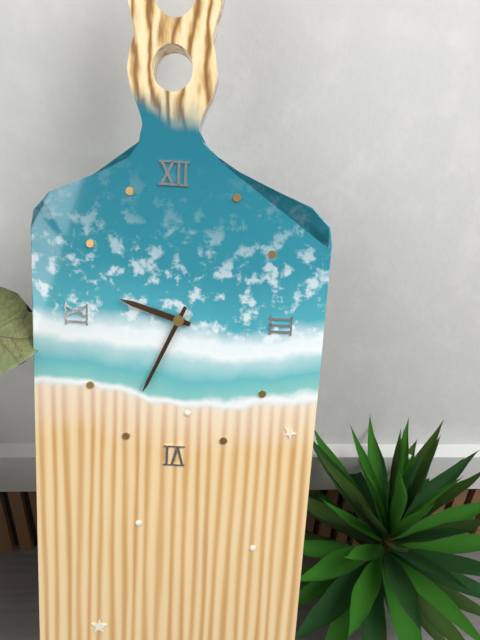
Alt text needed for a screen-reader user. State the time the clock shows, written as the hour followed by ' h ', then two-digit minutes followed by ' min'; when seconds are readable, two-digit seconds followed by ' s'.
9 h 34 min
